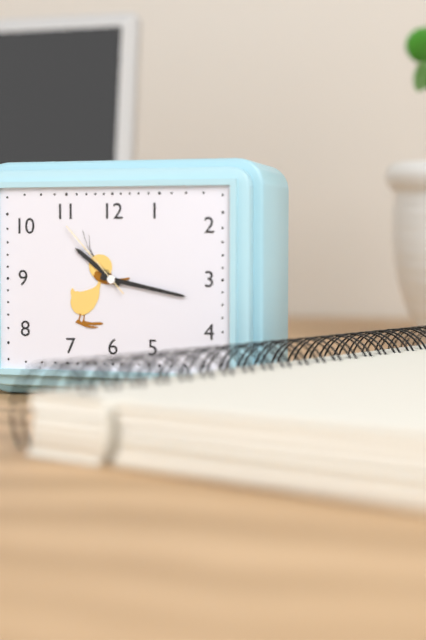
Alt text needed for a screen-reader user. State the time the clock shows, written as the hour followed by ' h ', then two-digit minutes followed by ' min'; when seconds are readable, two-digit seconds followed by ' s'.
10 h 17 min 53 s
